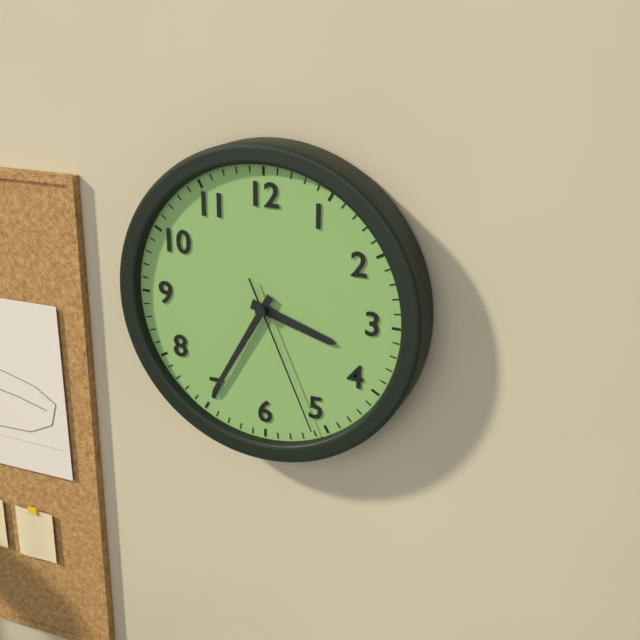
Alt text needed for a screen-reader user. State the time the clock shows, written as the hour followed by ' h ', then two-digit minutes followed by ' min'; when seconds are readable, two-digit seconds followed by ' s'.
3 h 35 min 26 s
